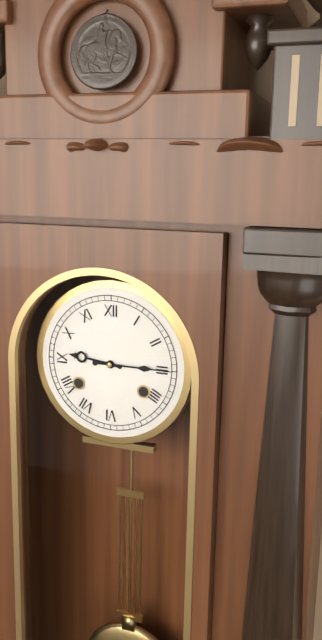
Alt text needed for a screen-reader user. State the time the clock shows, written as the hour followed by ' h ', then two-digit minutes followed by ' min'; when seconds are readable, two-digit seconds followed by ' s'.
9 h 15 min
